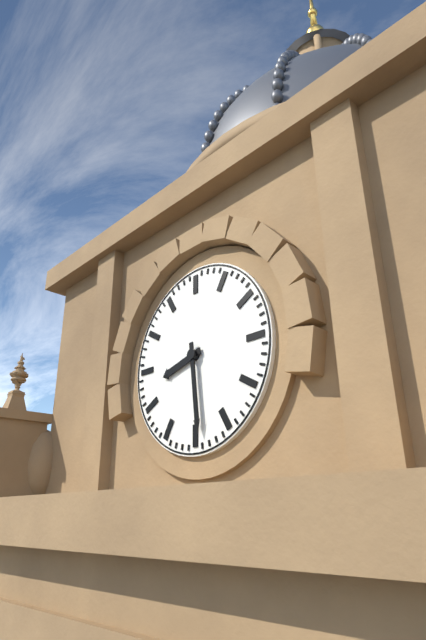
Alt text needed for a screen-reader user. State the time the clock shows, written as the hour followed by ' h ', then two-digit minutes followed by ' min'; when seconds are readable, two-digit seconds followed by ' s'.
8 h 29 min
